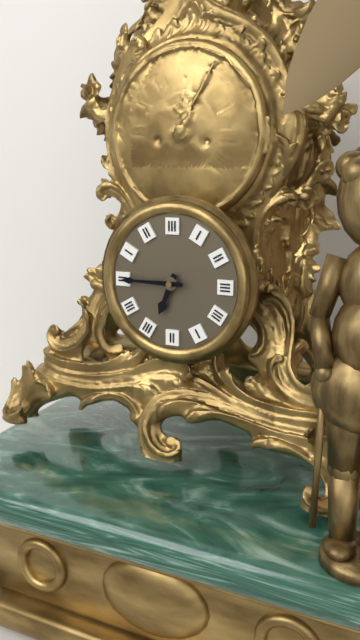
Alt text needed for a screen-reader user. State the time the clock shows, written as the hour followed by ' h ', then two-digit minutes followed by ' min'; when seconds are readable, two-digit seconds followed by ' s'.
6 h 45 min
